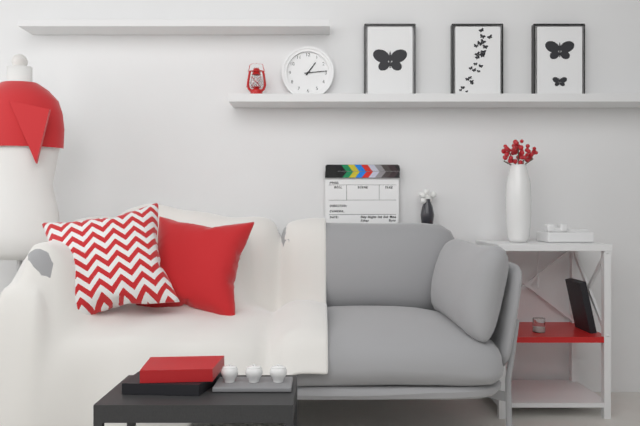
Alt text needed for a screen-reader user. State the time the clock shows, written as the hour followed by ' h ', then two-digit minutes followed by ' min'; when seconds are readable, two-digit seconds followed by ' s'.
1 h 14 min
